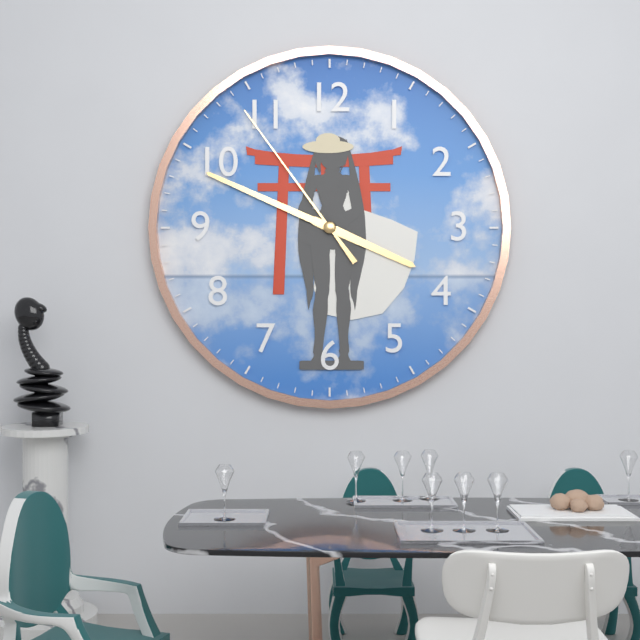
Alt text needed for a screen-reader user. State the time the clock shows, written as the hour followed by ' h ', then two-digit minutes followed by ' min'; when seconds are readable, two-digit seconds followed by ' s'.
3 h 49 min 54 s
